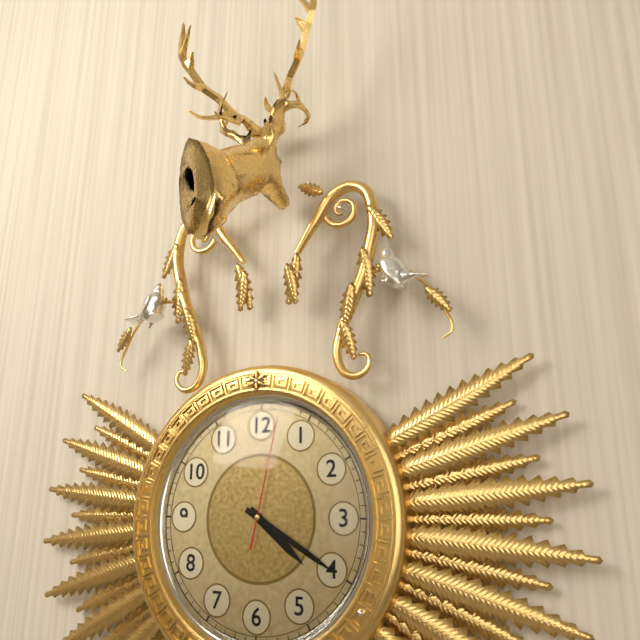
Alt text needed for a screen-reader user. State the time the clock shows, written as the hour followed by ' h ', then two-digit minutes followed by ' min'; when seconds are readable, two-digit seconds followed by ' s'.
4 h 20 min 02 s
